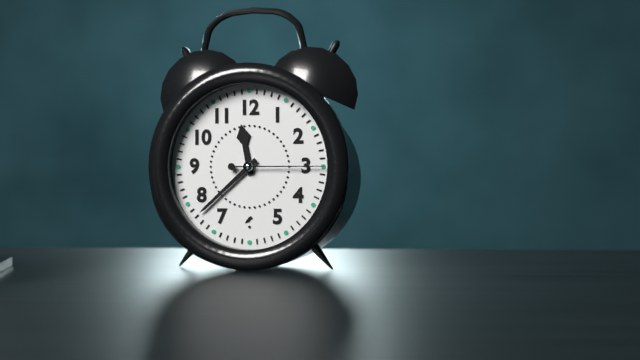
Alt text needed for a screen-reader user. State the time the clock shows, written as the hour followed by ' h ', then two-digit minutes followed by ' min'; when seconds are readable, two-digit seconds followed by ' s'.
11 h 38 min 15 s
